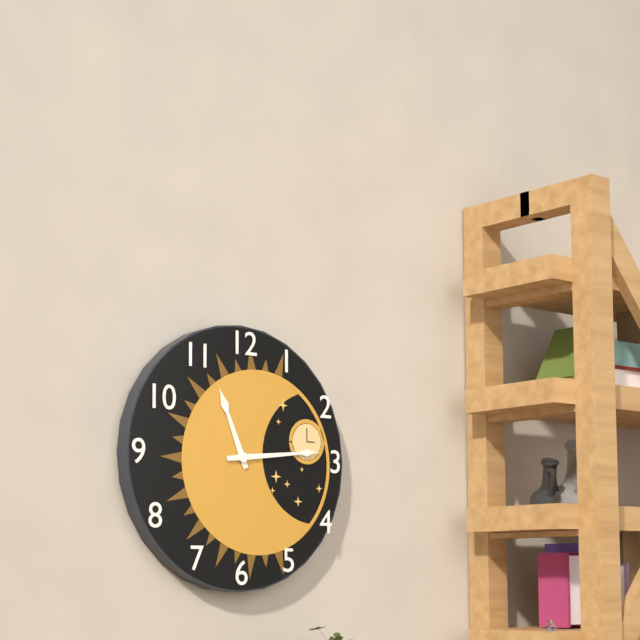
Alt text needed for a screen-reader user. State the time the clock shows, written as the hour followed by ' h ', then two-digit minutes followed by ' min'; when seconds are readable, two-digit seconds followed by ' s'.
11 h 14 min
